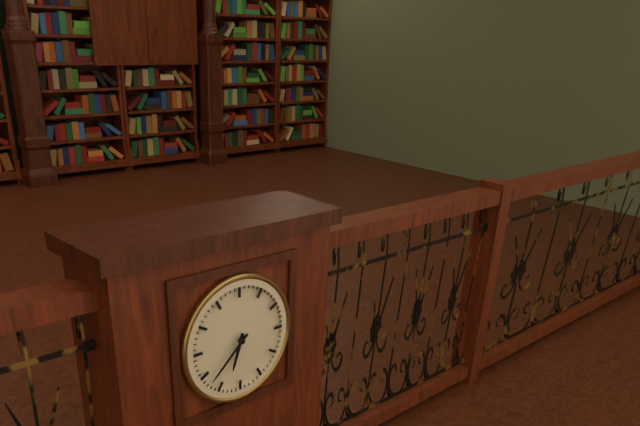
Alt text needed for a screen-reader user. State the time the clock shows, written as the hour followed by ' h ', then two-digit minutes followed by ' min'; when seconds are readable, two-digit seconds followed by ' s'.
6 h 38 min
